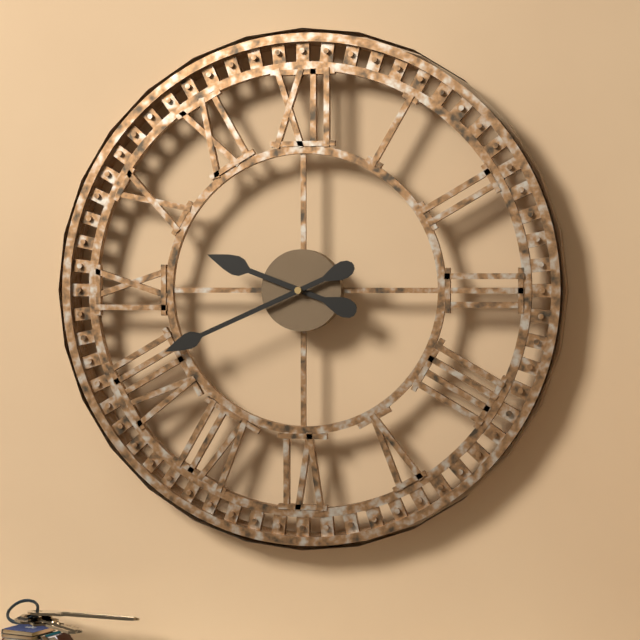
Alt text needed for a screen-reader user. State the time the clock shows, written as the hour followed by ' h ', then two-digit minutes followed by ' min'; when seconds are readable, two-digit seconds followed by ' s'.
9 h 41 min
